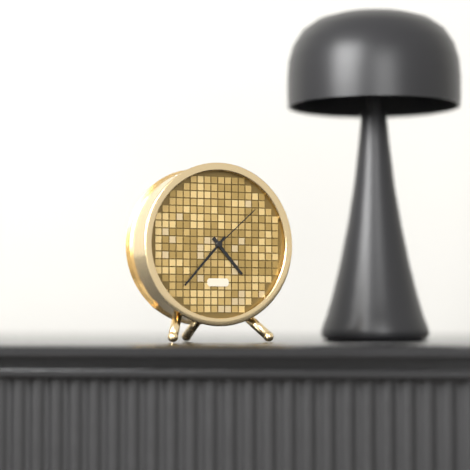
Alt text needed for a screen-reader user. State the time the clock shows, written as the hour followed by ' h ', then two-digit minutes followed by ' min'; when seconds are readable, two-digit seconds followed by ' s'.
4 h 37 min 08 s
